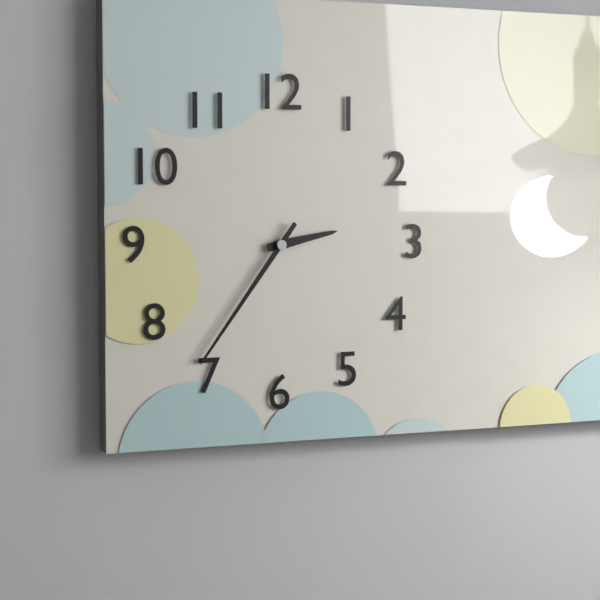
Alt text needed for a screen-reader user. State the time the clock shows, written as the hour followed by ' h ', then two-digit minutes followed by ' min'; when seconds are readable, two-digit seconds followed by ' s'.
2 h 36 min
